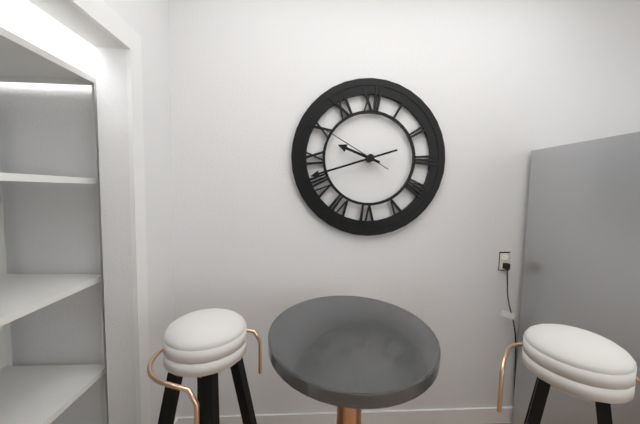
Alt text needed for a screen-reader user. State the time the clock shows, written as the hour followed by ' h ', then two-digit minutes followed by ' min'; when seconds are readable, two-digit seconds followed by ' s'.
9 h 42 min 50 s
